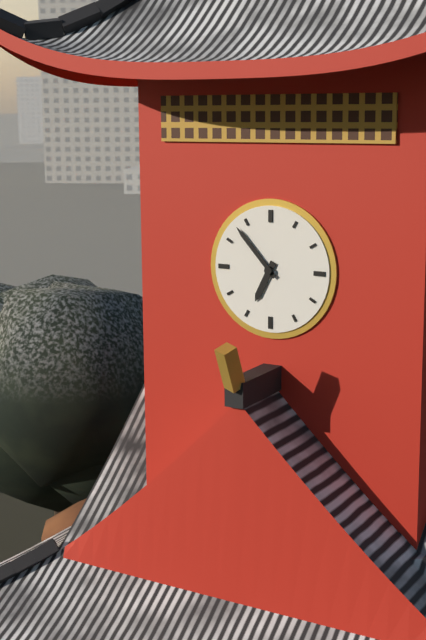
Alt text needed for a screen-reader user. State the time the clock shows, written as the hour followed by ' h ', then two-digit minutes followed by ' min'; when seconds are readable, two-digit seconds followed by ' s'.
6 h 53 min
